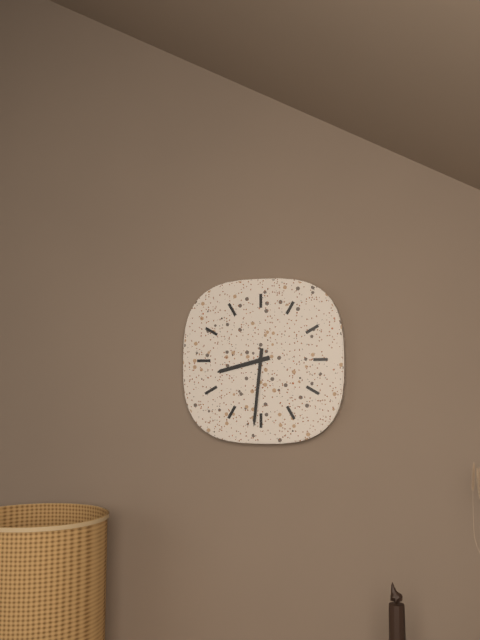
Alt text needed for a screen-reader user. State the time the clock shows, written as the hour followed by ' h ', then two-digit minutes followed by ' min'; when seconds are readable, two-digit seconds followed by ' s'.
8 h 31 min
